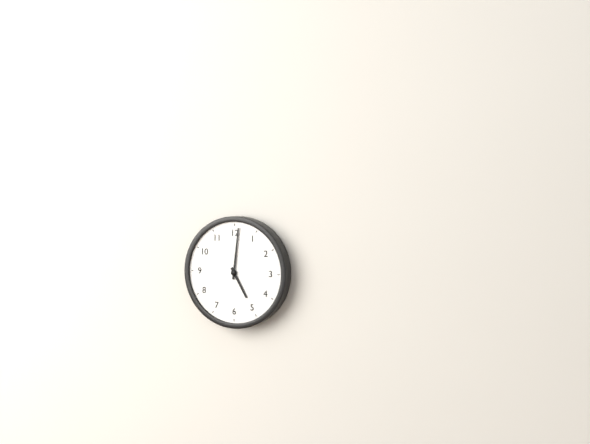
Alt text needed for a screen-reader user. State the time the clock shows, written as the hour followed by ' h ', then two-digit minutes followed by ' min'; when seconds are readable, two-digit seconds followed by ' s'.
5 h 01 min
